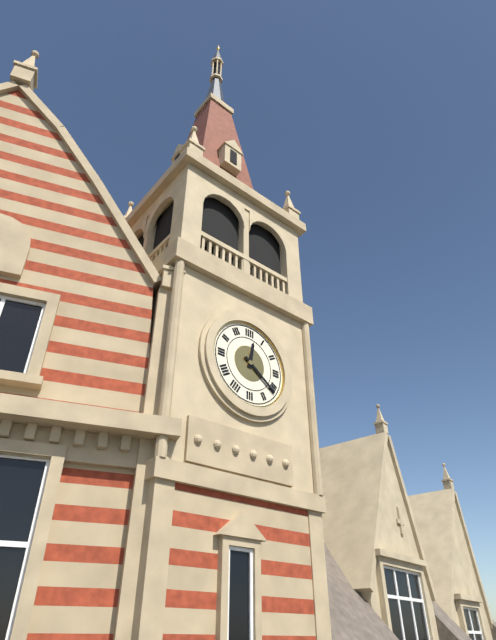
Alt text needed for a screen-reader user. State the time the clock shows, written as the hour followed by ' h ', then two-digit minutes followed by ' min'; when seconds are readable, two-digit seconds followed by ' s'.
12 h 21 min
